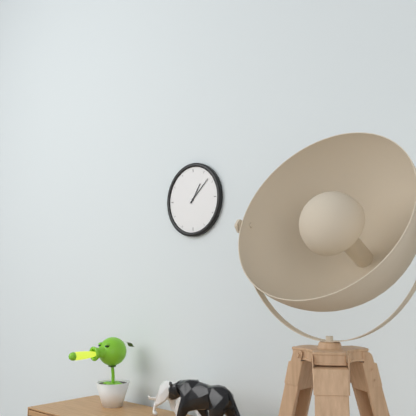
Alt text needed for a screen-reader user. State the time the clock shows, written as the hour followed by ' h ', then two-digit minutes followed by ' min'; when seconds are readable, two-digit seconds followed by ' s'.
1 h 08 min
